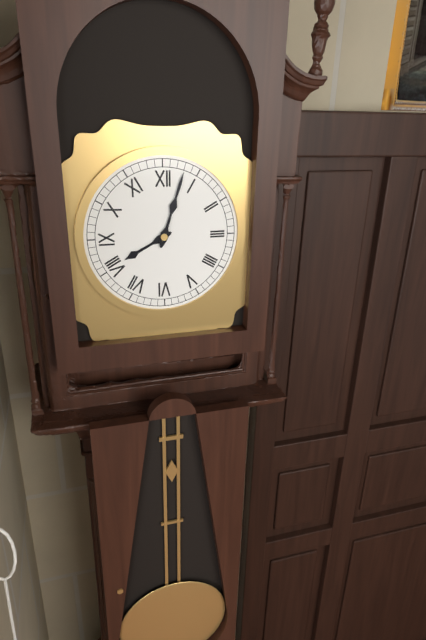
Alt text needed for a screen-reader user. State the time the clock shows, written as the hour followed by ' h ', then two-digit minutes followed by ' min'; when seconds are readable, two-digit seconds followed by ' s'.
8 h 03 min
